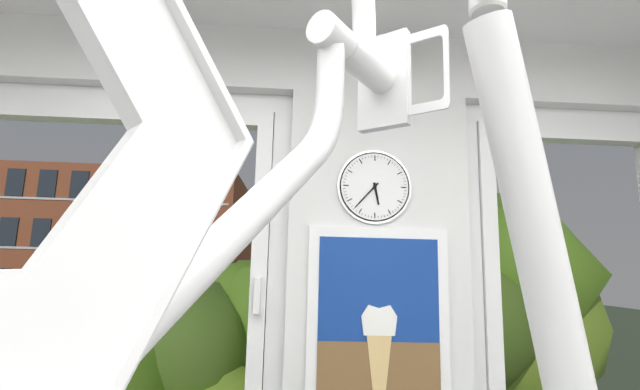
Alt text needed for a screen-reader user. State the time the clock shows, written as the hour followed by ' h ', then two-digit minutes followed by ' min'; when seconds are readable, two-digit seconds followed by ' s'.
5 h 37 min
